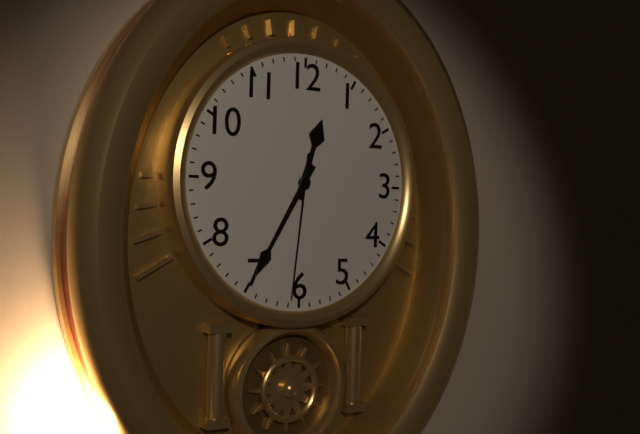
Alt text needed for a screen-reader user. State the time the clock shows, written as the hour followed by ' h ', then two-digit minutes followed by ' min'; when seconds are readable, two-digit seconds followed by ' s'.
12 h 35 min 31 s
